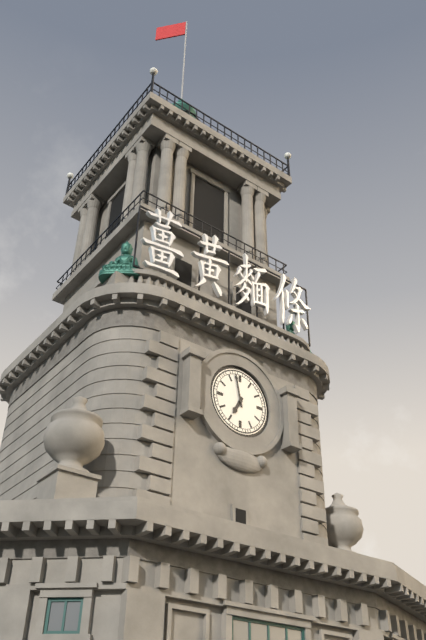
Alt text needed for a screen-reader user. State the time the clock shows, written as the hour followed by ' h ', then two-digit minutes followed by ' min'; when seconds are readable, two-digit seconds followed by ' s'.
6 h 58 min
